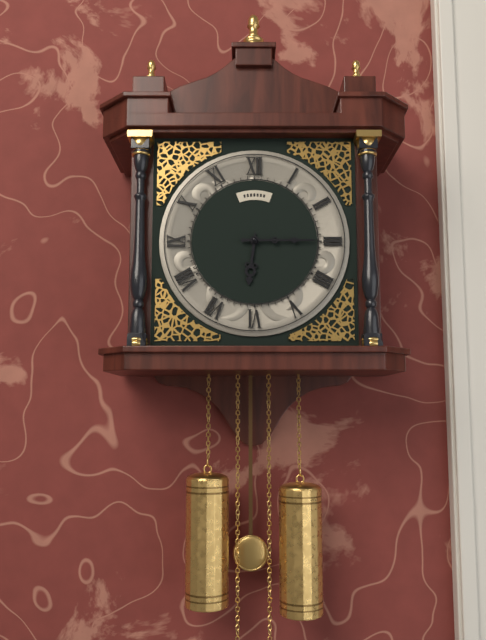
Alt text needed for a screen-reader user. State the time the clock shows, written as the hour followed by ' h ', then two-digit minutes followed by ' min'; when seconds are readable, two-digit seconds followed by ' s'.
6 h 15 min
